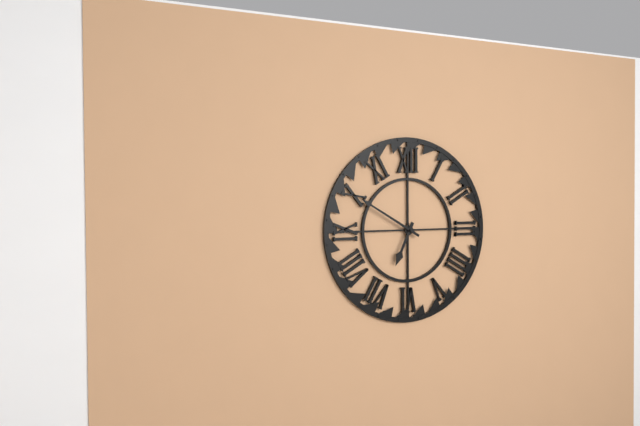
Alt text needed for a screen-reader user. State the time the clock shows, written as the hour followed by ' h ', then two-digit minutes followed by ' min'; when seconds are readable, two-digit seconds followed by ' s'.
6 h 50 min
